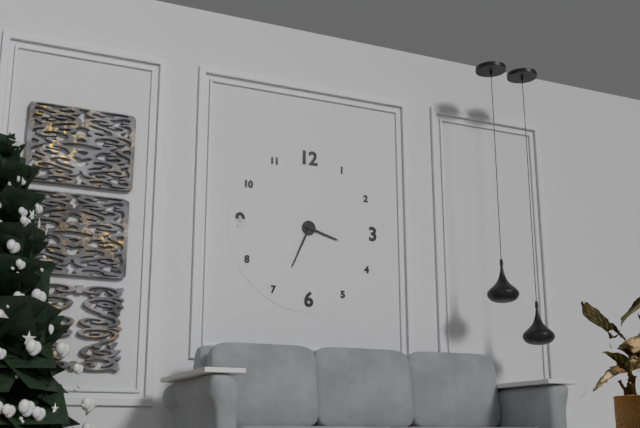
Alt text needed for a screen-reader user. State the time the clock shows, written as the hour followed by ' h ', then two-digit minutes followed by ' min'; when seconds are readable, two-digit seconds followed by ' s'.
3 h 34 min
